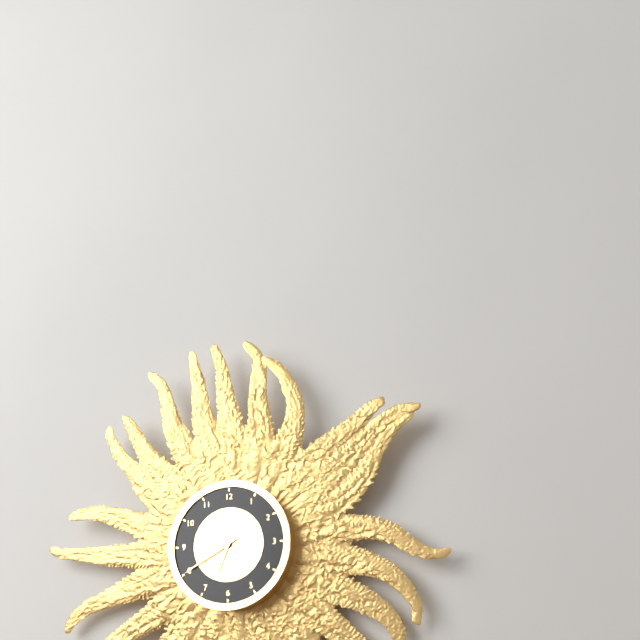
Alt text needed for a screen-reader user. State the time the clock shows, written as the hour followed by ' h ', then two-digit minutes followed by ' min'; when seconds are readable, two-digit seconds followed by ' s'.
6 h 40 min
